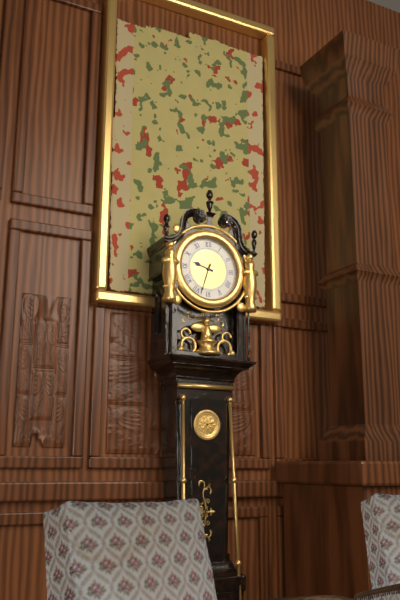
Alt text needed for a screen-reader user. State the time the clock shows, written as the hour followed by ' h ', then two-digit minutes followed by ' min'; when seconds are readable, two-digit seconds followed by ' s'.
9 h 33 min
